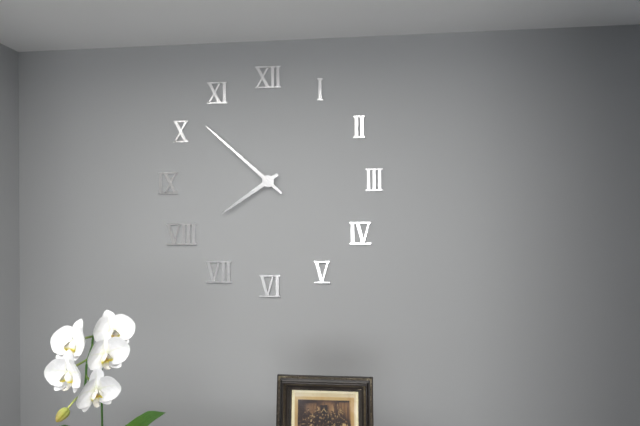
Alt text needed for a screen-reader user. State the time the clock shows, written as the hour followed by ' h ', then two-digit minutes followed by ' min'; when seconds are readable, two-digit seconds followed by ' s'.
7 h 52 min
